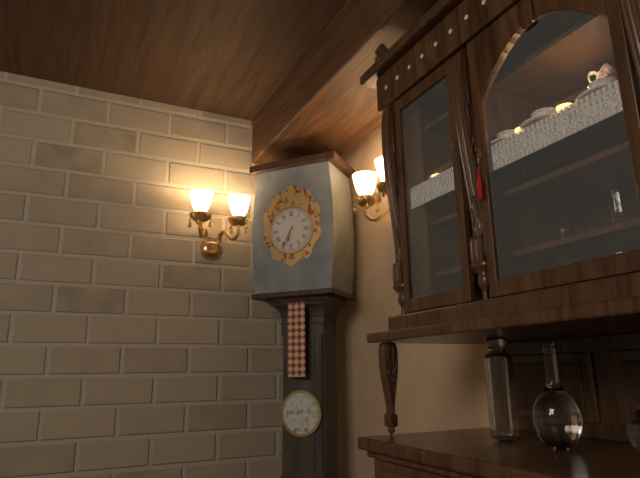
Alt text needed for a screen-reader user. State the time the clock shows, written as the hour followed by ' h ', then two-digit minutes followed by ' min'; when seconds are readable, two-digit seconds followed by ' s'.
6 h 35 min
